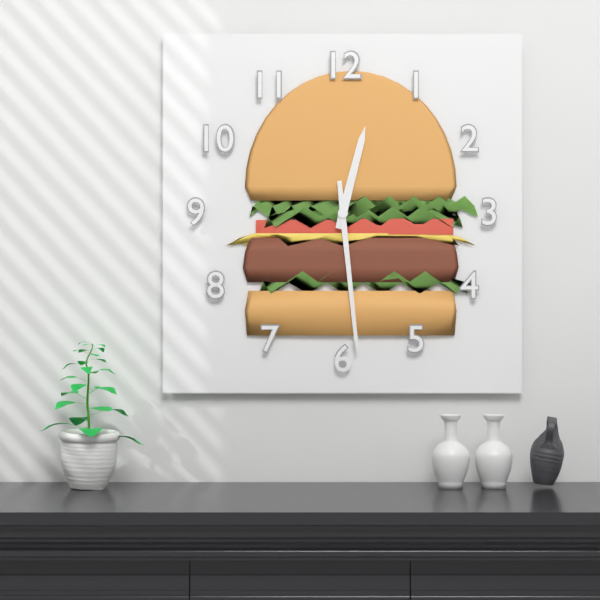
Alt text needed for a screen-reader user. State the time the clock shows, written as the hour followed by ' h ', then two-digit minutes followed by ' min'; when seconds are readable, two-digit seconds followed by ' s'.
12 h 29 min
